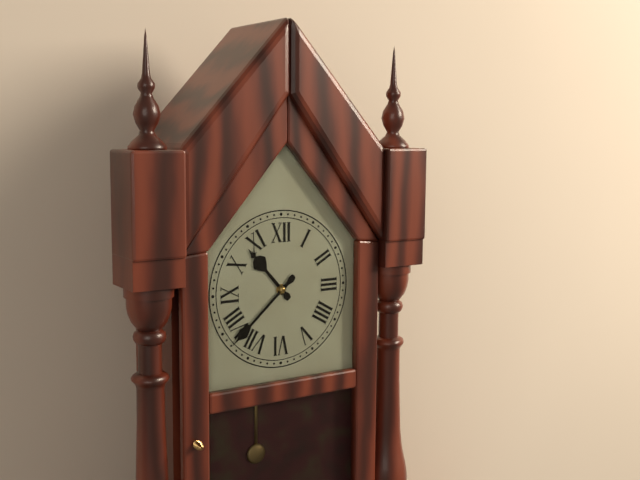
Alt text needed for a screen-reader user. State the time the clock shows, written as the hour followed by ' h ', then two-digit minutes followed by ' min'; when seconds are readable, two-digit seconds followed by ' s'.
10 h 38 min
